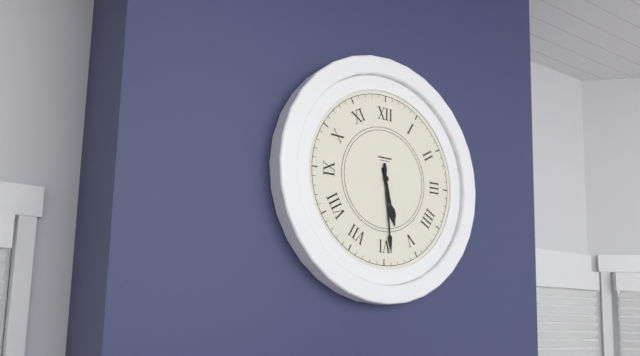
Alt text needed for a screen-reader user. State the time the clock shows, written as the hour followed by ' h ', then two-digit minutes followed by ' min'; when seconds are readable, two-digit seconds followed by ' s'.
5 h 29 min
